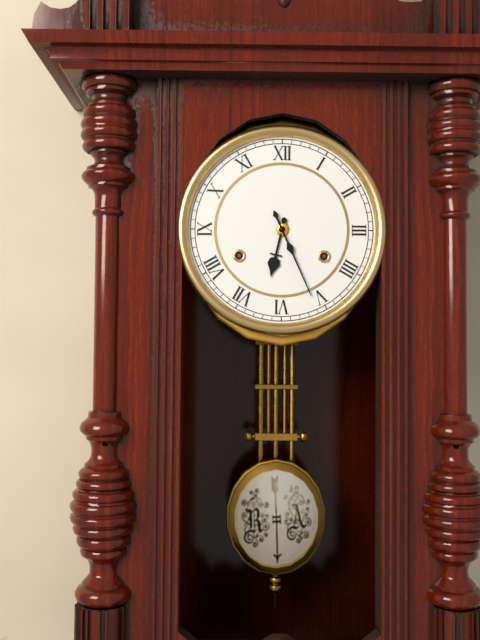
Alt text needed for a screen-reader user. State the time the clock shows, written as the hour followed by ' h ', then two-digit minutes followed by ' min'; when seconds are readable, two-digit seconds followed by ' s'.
6 h 26 min
